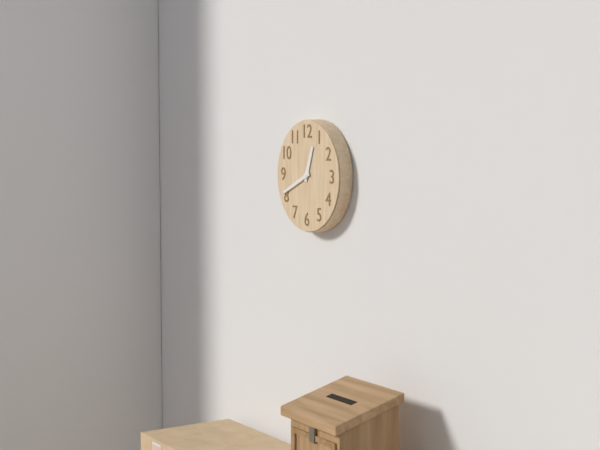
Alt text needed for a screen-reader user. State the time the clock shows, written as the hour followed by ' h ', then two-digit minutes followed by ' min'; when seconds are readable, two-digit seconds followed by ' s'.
12 h 41 min
